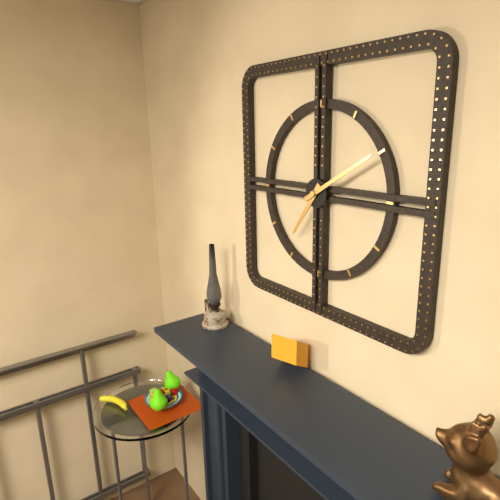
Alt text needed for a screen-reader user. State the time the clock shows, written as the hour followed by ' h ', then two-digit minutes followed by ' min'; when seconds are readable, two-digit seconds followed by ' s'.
7 h 10 min
